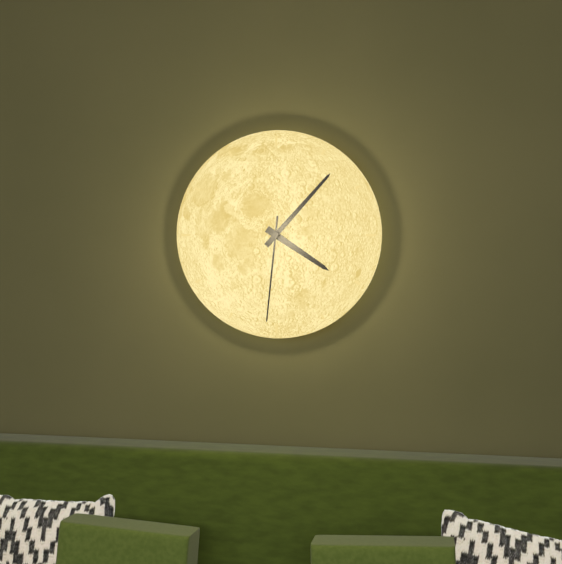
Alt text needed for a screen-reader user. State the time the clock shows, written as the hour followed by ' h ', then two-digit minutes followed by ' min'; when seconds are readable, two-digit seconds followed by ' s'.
4 h 07 min 31 s
